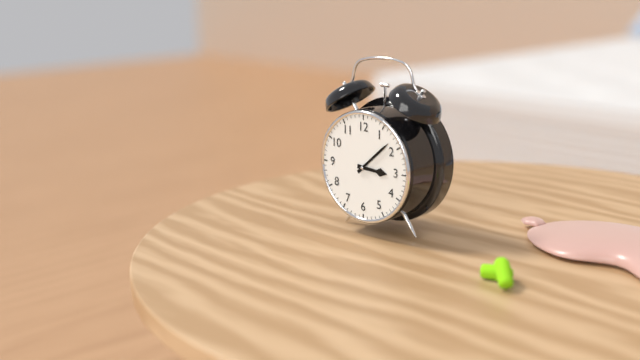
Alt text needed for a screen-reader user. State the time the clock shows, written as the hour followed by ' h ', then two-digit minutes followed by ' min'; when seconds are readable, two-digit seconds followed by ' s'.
3 h 08 min
